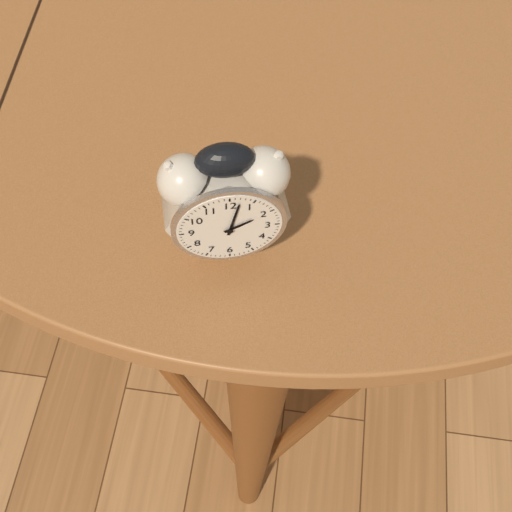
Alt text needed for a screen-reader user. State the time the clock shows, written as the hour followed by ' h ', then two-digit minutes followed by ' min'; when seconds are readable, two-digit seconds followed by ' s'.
2 h 02 min
